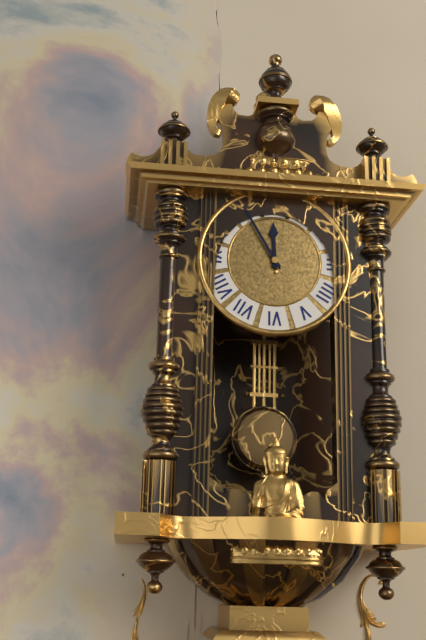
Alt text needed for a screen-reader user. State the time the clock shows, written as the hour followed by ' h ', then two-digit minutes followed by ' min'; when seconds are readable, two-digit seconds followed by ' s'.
11 h 55 min
